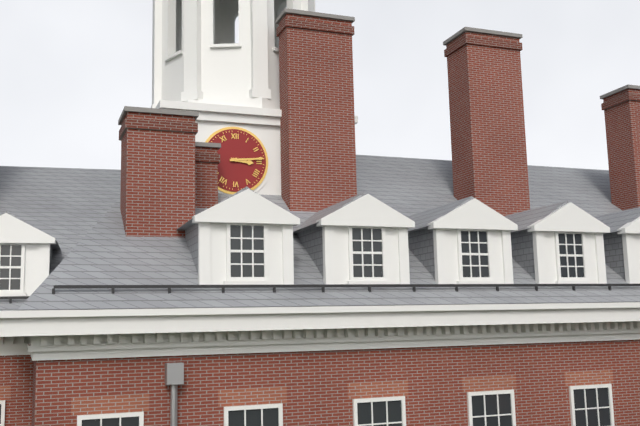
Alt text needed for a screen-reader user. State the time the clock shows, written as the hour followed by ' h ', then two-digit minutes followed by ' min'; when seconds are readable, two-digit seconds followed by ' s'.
3 h 14 min
